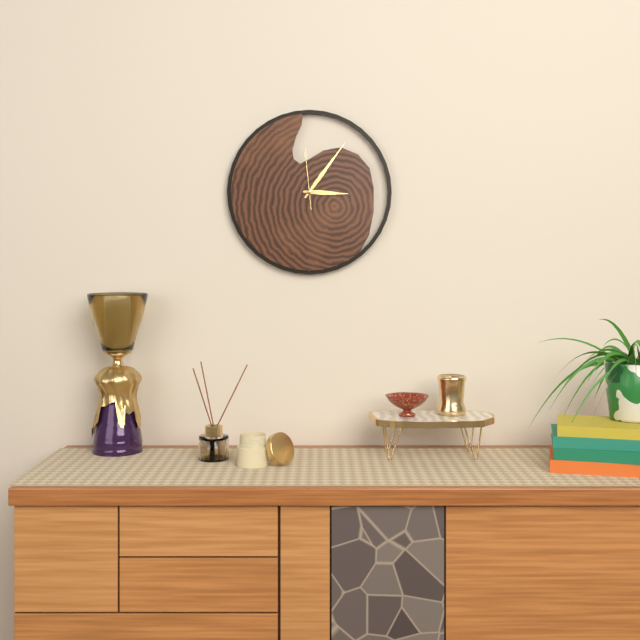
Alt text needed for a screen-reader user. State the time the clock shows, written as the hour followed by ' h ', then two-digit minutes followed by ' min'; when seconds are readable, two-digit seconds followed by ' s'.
3 h 06 min 59 s
